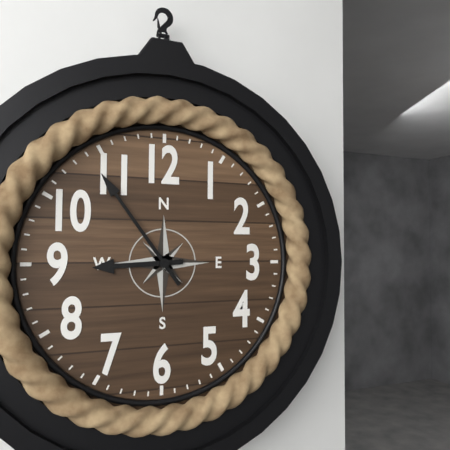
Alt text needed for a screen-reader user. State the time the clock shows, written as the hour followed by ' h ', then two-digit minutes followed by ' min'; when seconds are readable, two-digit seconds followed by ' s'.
8 h 54 min
